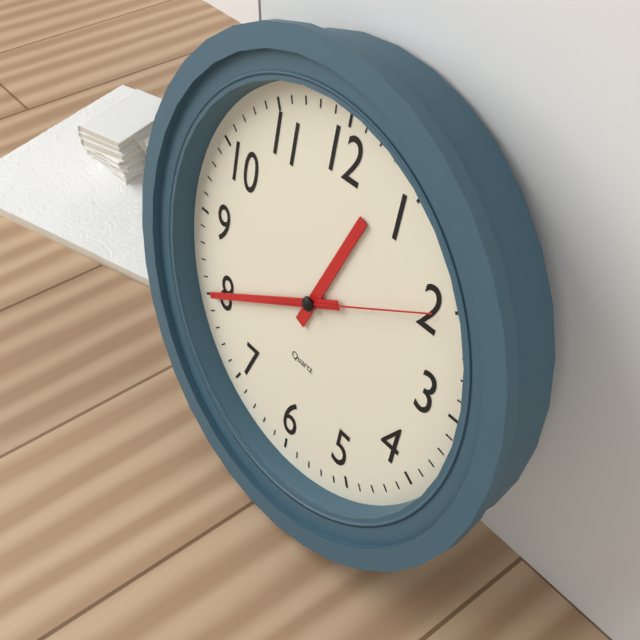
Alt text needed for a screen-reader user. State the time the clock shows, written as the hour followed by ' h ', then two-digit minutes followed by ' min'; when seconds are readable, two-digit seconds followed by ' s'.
12 h 40 min 10 s
